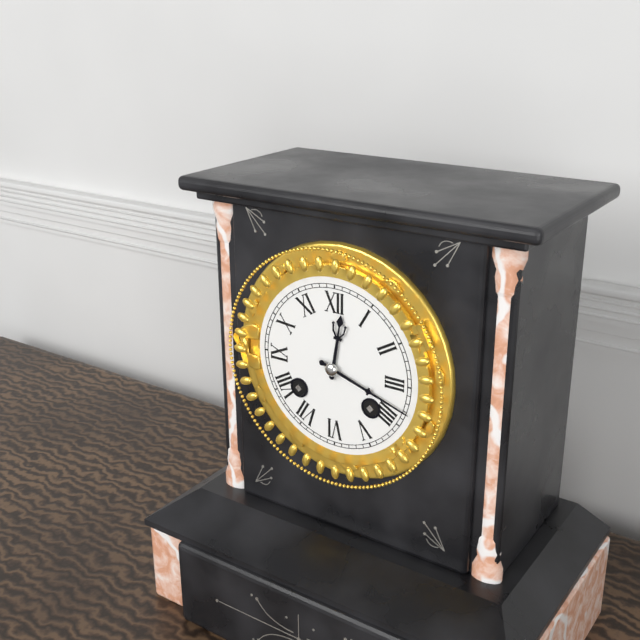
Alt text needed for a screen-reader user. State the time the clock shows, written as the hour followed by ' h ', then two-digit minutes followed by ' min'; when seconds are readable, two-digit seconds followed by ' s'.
12 h 18 min
